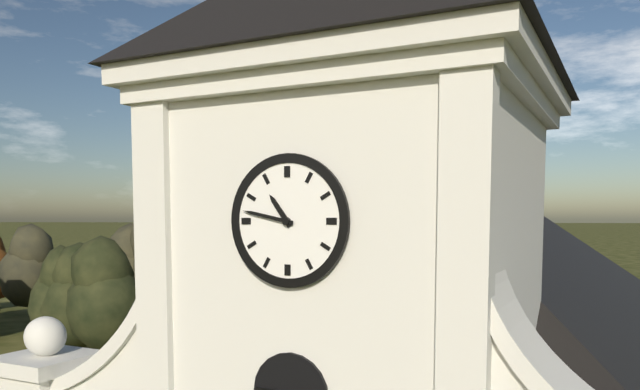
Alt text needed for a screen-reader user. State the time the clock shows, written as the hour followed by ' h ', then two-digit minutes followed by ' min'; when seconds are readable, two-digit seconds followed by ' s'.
10 h 47 min
